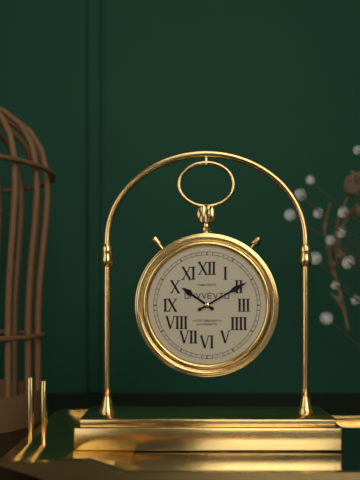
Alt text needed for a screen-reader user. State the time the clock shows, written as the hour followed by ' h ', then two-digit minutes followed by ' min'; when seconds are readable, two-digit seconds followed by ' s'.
10 h 10 min
